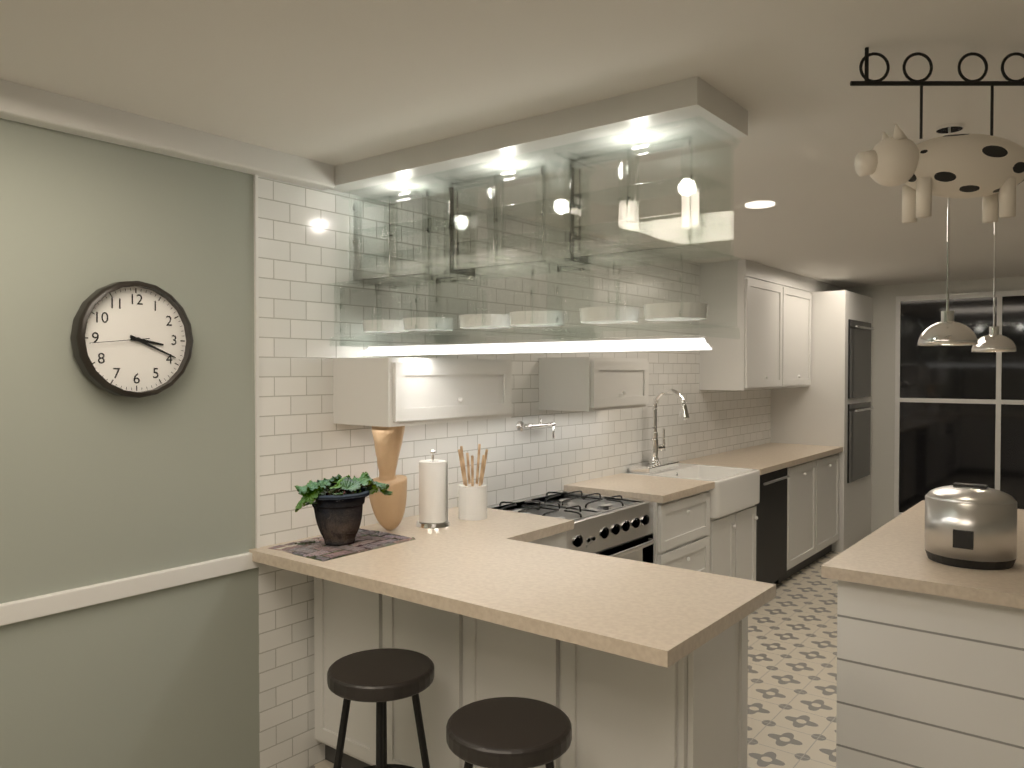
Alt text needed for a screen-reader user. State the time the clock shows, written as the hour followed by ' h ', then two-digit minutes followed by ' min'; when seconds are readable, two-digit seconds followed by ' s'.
3 h 19 min 44 s
